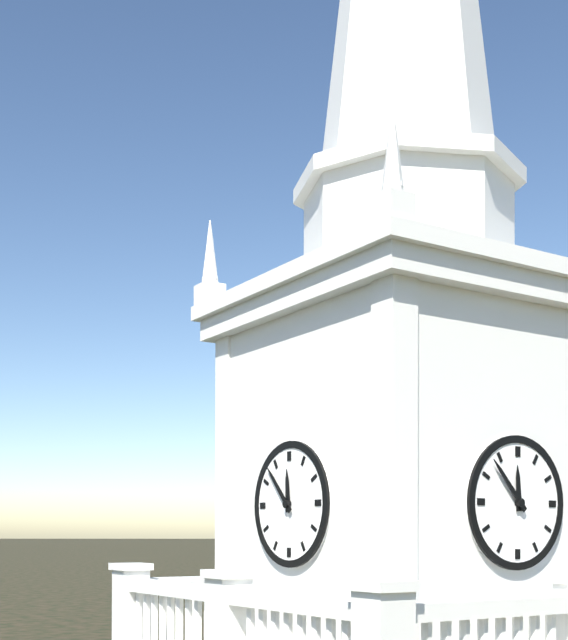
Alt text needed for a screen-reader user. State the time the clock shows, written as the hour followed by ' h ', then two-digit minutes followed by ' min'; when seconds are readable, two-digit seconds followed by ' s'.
11 h 53 min
